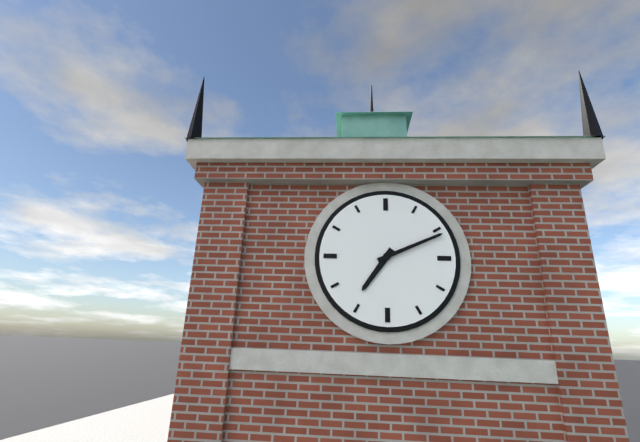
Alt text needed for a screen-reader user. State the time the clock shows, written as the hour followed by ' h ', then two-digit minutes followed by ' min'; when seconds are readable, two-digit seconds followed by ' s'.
7 h 11 min
